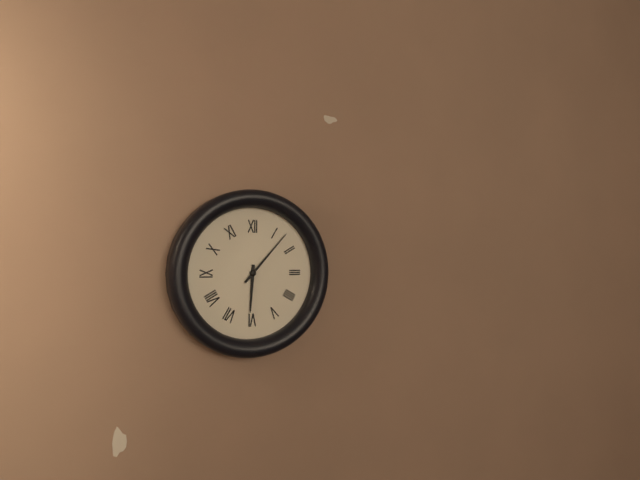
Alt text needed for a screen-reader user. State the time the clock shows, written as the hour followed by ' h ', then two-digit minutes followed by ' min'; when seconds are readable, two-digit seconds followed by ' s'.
6 h 07 min
